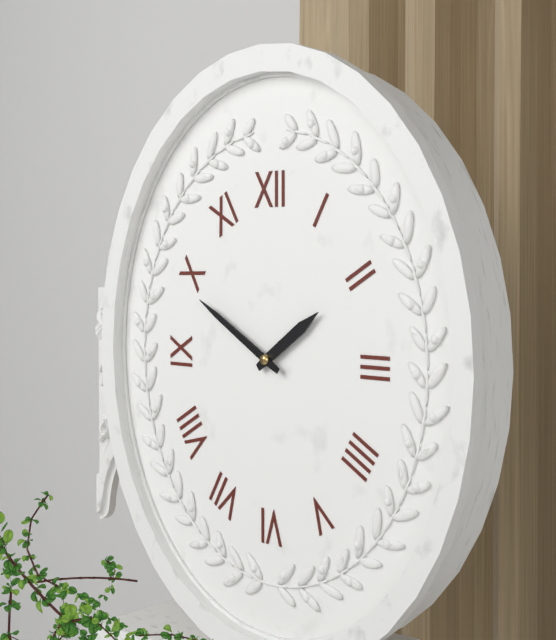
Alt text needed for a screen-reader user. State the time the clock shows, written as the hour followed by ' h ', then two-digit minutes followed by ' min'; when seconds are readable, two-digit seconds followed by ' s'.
1 h 50 min
